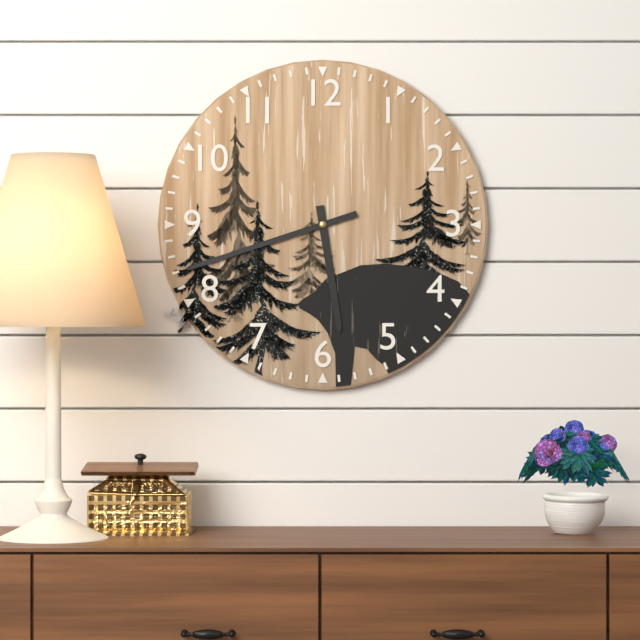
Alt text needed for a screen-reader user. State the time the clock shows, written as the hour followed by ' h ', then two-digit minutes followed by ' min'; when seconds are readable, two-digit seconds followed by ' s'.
5 h 42 min
